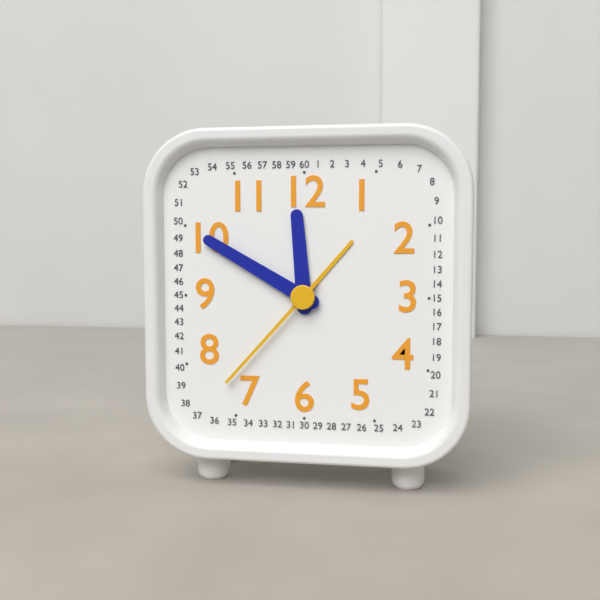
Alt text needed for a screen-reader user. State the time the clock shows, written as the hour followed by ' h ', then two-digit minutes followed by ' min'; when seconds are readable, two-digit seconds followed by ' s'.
11 h 50 min 37 s
